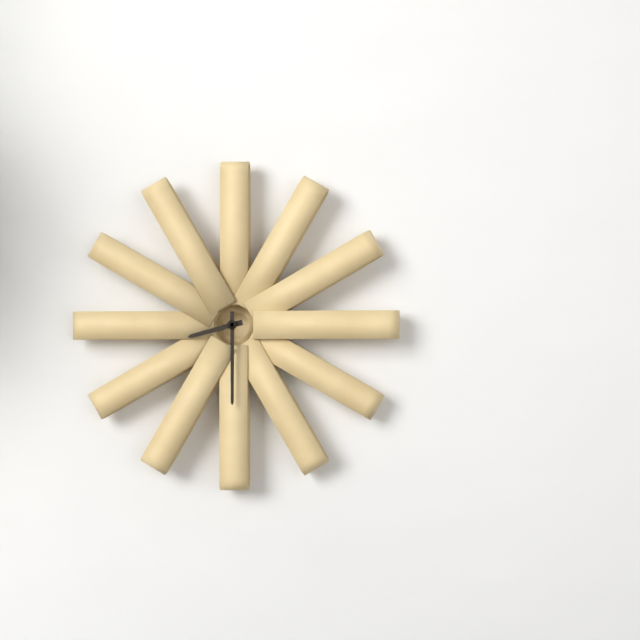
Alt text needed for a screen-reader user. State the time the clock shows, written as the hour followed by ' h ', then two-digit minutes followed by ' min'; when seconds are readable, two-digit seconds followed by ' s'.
8 h 30 min
